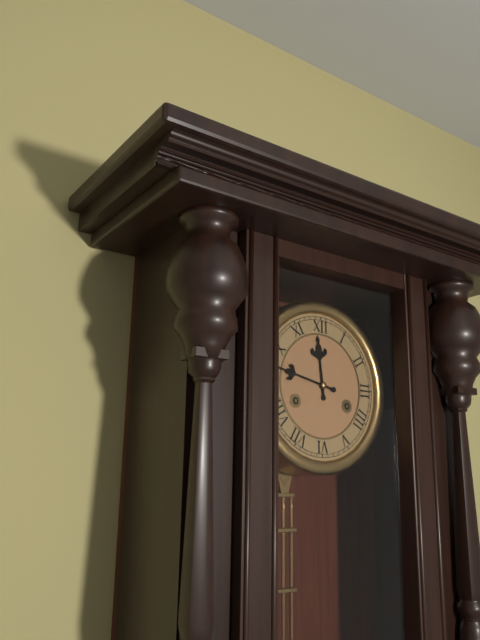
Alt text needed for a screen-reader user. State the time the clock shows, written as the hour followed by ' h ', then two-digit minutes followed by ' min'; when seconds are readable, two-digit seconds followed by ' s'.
11 h 47 min
